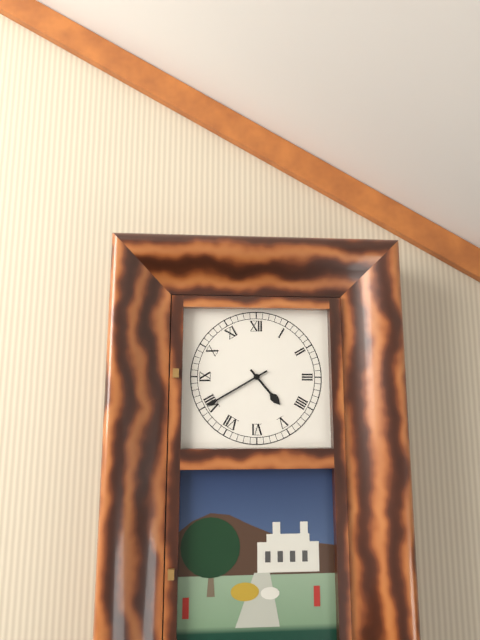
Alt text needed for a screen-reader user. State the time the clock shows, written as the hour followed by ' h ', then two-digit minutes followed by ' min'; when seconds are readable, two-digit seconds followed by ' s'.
4 h 40 min
